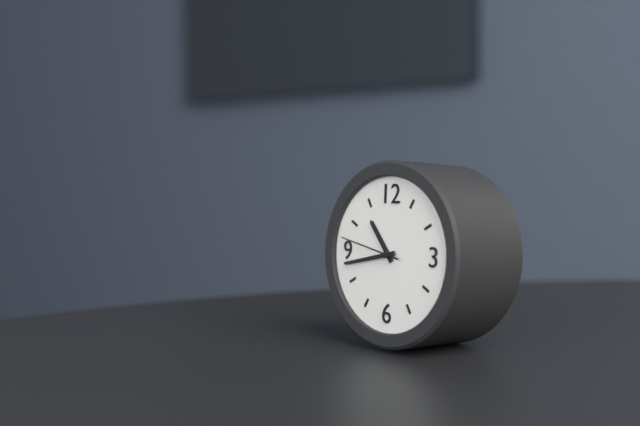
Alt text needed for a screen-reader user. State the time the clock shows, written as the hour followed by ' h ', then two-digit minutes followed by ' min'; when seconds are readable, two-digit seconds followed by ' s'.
10 h 43 min 47 s
